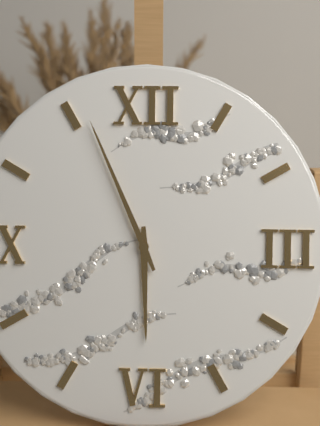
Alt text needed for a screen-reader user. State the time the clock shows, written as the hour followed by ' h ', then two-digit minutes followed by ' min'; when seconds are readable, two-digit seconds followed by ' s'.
5 h 56 min
